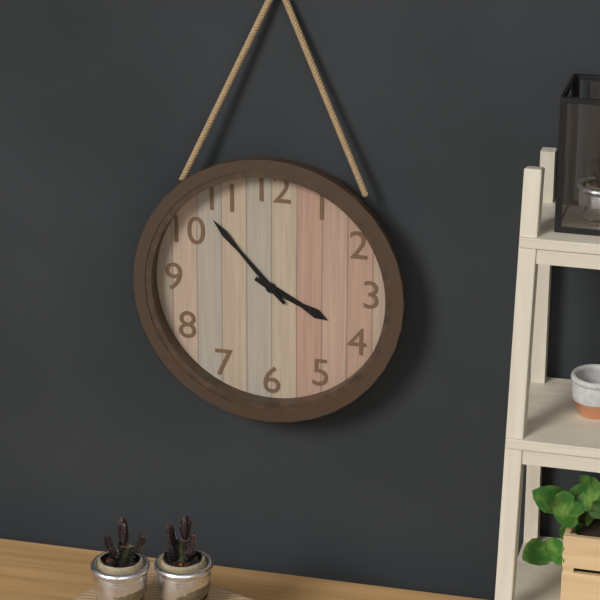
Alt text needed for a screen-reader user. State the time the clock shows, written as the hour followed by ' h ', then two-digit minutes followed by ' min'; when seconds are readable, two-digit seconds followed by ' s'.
3 h 53 min
